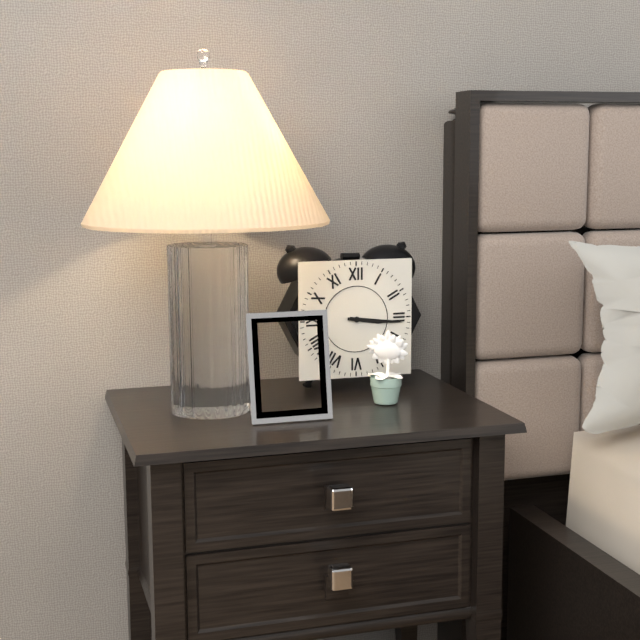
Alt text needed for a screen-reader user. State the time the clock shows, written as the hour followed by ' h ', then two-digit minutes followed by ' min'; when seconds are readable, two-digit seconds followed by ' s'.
3 h 16 min
